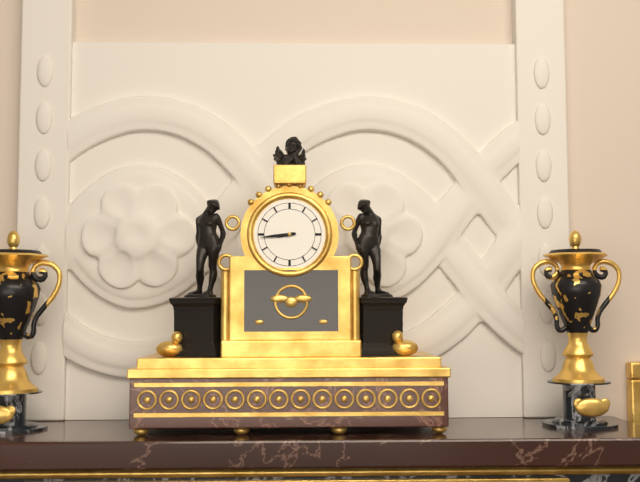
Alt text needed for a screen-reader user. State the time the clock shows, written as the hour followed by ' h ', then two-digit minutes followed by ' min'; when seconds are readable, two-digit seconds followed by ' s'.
8 h 44 min
